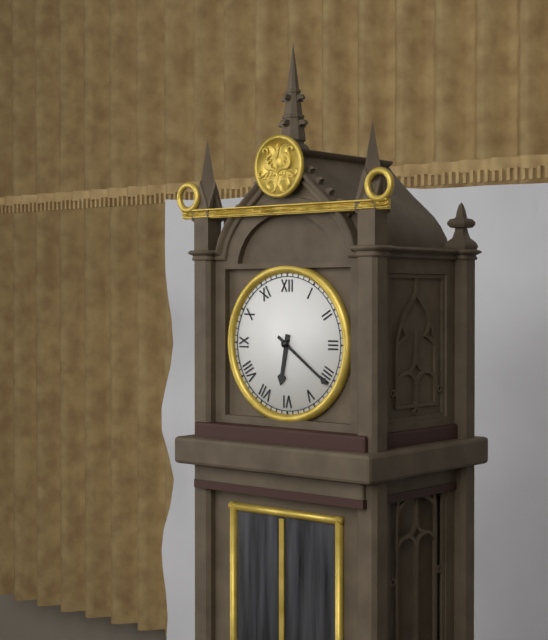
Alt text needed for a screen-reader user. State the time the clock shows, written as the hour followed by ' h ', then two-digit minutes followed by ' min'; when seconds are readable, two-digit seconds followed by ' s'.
6 h 21 min
